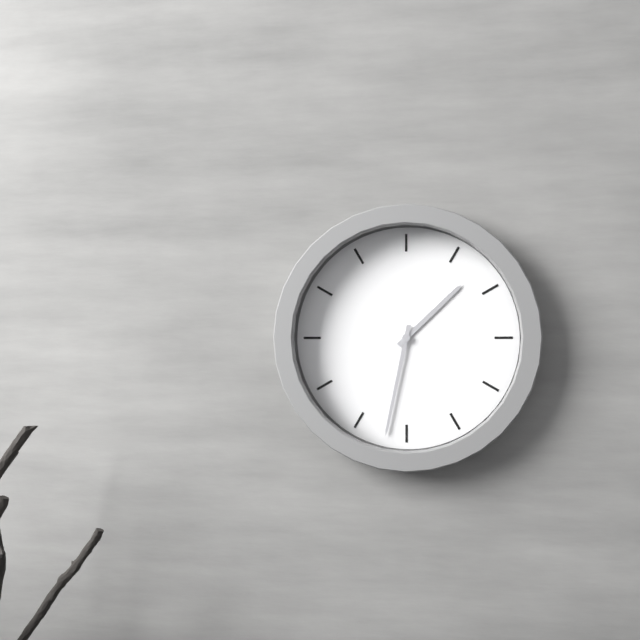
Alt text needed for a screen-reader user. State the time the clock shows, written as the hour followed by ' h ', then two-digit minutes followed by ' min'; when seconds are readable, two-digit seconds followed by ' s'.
1 h 32 min
